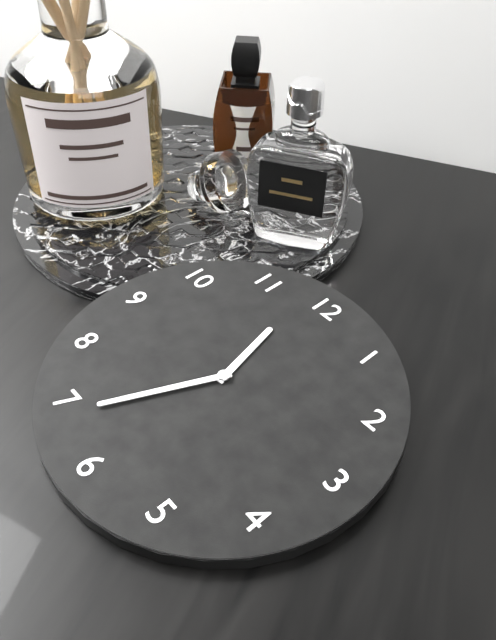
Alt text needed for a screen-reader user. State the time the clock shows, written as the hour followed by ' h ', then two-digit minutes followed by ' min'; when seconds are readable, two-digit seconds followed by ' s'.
11 h 34 min
